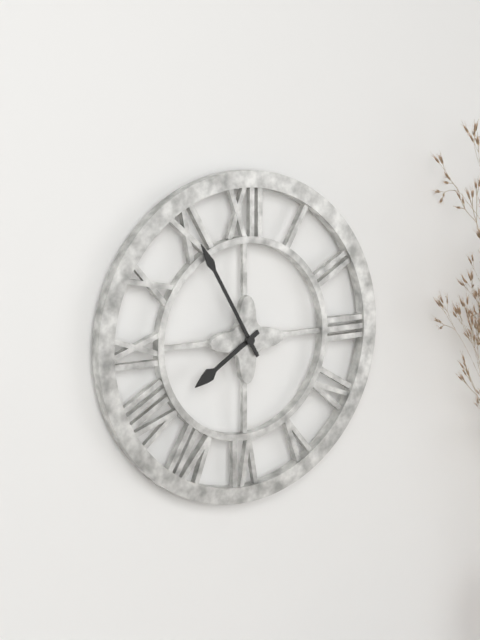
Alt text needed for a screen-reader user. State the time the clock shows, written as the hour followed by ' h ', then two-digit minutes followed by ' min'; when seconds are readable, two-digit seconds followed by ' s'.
7 h 55 min
